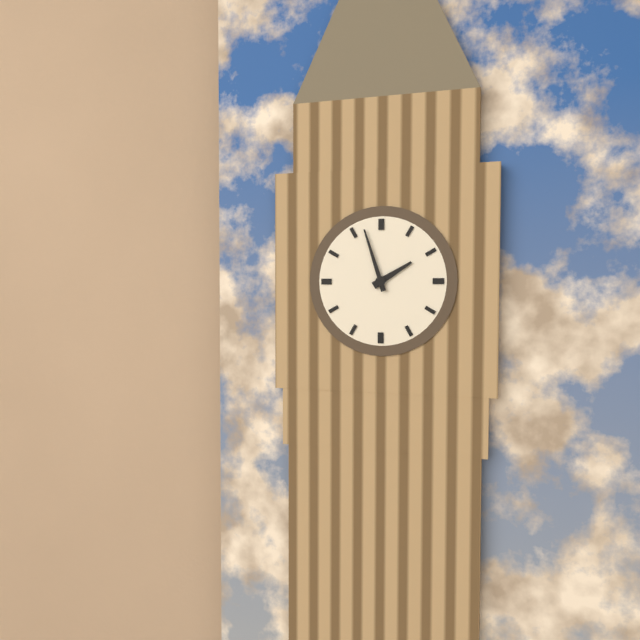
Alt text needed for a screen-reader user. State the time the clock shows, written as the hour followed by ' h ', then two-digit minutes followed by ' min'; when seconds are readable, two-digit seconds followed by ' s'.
1 h 57 min
